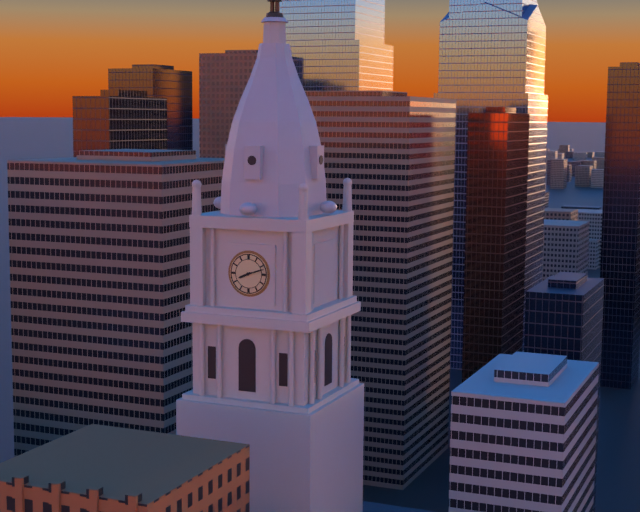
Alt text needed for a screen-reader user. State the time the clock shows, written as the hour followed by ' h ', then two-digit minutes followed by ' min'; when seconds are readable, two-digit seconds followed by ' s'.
8 h 12 min
